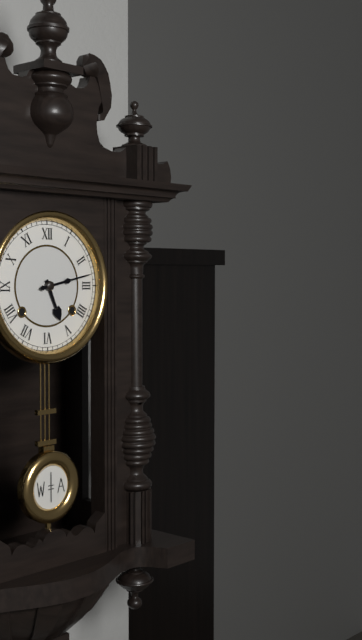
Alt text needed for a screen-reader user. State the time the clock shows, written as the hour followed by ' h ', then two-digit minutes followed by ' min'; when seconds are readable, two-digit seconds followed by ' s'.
5 h 13 min
